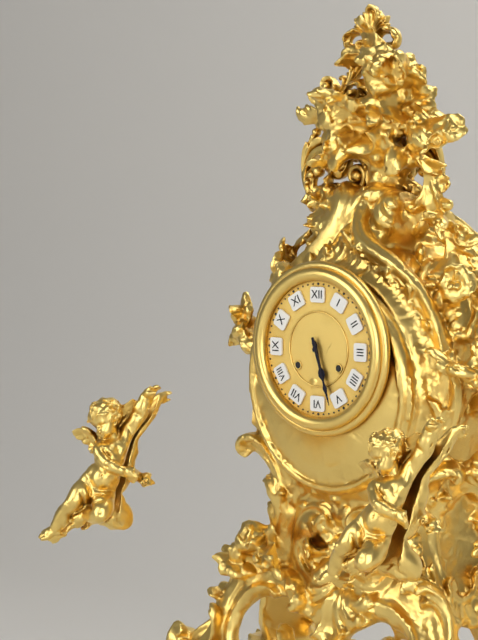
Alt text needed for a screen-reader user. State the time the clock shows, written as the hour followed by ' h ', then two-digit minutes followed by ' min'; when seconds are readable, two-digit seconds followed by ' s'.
5 h 27 min
